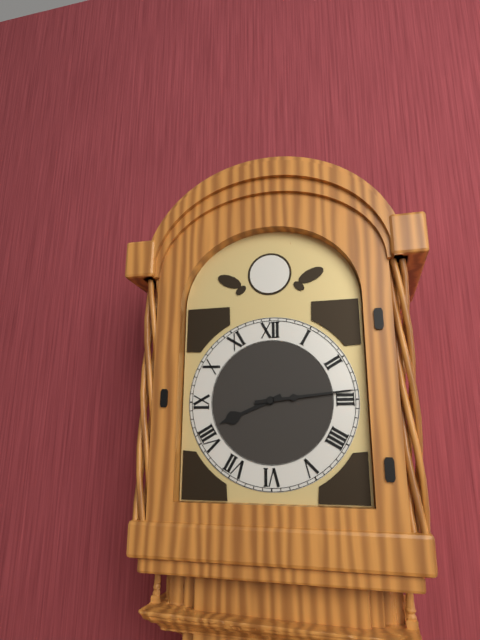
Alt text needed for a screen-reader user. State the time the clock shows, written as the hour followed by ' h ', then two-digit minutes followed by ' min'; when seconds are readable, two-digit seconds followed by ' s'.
8 h 14 min
